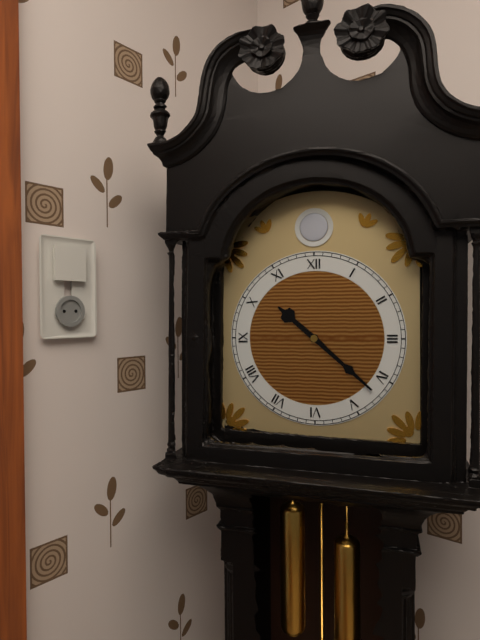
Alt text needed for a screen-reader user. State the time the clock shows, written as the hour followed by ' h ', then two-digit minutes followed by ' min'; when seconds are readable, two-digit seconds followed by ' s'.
10 h 22 min
